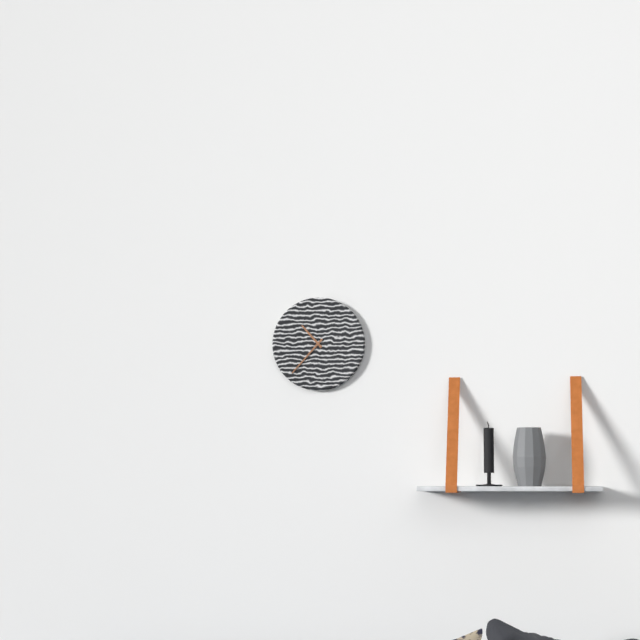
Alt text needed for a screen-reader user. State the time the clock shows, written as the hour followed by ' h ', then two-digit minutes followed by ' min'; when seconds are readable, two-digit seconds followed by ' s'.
10 h 37 min
